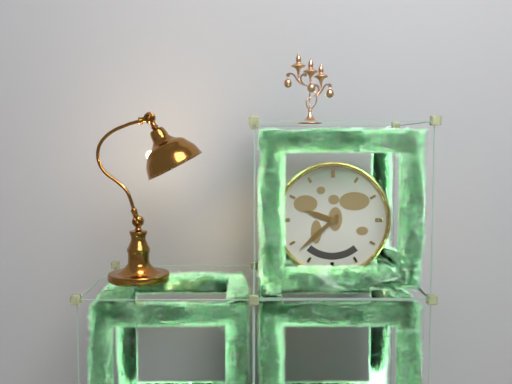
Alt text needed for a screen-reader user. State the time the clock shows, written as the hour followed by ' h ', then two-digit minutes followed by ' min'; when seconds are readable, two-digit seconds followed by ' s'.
9 h 38 min
